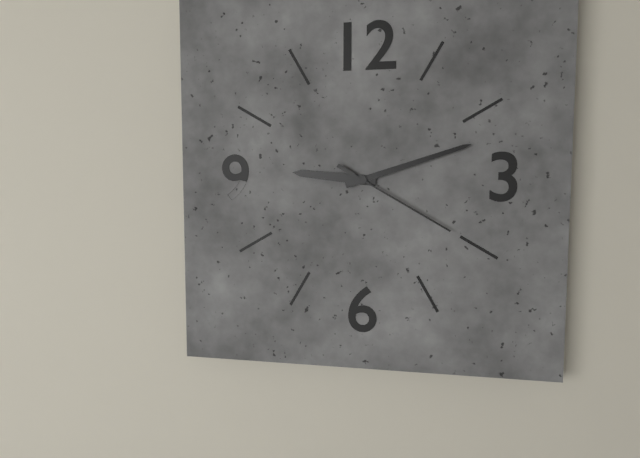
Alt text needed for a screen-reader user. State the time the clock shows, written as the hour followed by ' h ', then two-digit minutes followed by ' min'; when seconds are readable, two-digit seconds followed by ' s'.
9 h 12 min 20 s
